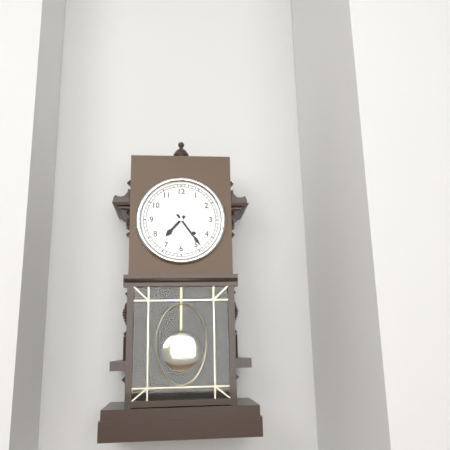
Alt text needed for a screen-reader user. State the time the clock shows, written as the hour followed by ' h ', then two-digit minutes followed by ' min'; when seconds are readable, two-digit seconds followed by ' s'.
7 h 24 min
